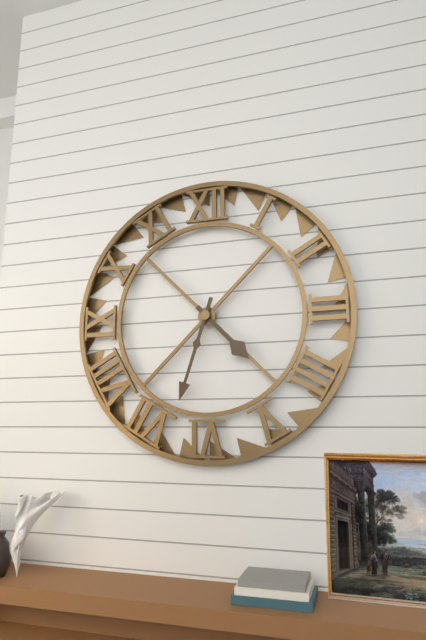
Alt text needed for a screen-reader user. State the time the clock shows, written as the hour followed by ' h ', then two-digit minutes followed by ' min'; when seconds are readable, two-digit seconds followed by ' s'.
4 h 33 min
